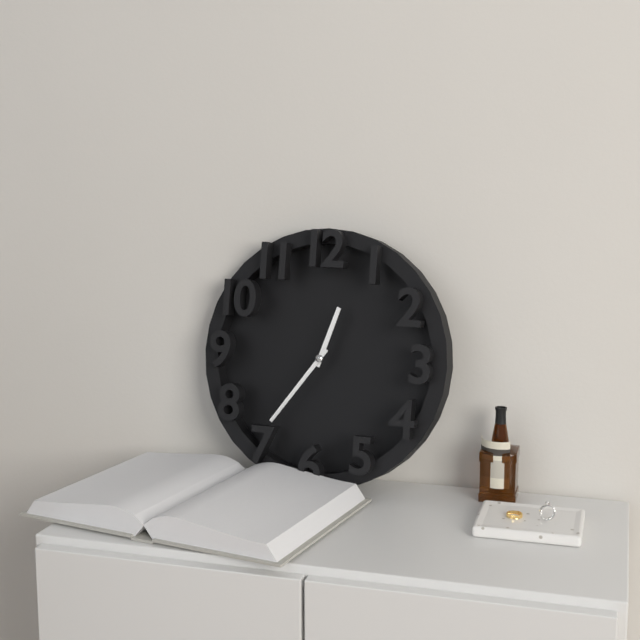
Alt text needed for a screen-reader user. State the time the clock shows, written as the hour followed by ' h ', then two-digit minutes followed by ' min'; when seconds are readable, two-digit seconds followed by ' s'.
12 h 36 min
